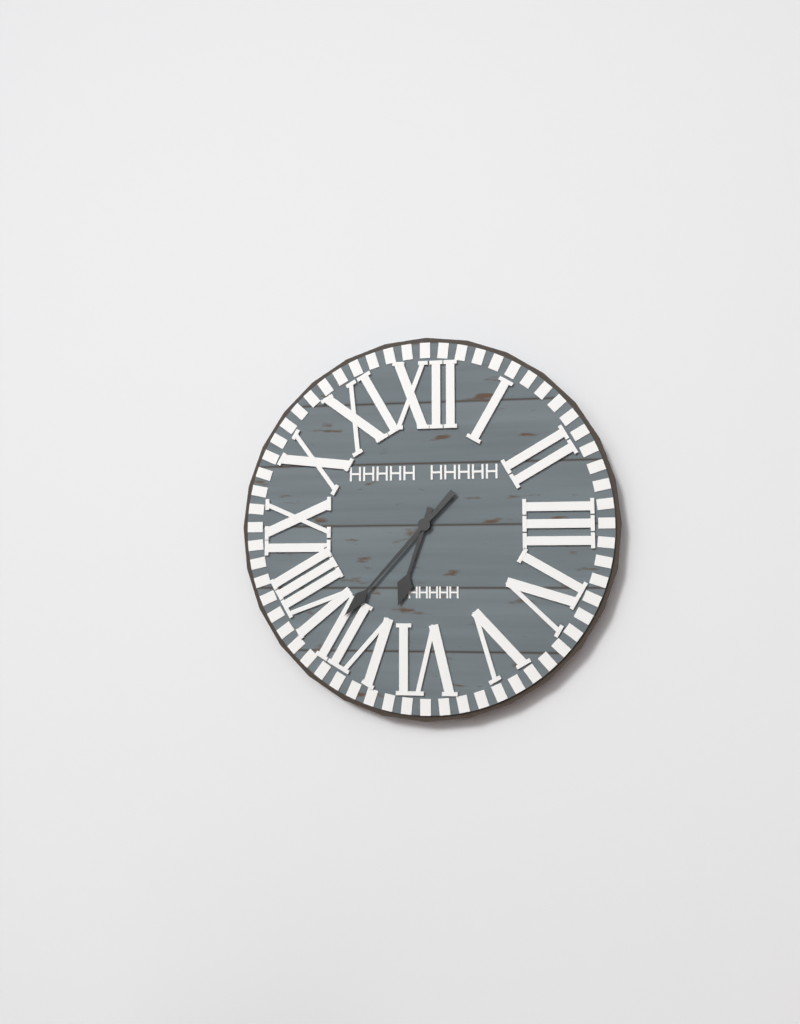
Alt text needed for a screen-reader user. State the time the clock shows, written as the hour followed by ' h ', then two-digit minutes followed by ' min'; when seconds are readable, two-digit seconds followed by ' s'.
6 h 37 min
